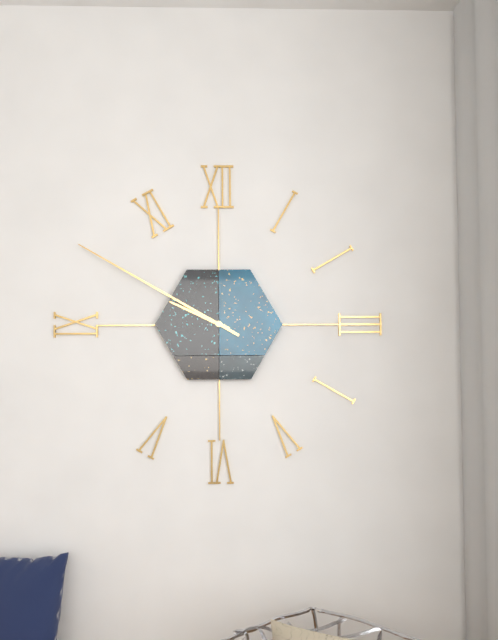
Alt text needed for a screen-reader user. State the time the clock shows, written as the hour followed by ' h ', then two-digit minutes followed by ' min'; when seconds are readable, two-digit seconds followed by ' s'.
9 h 50 min
